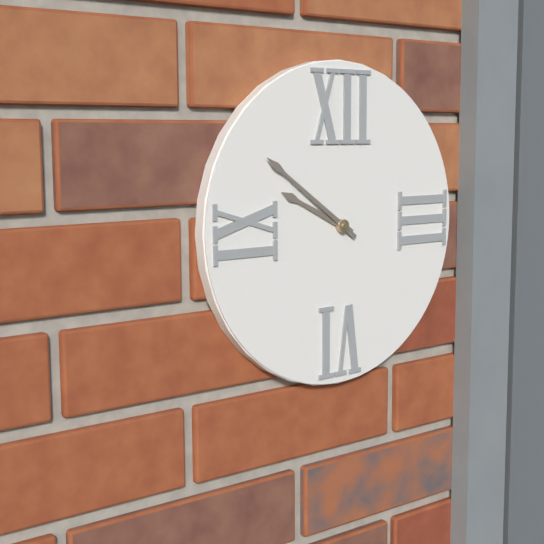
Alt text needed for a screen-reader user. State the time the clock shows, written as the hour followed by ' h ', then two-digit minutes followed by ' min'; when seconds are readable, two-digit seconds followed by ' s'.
9 h 51 min
